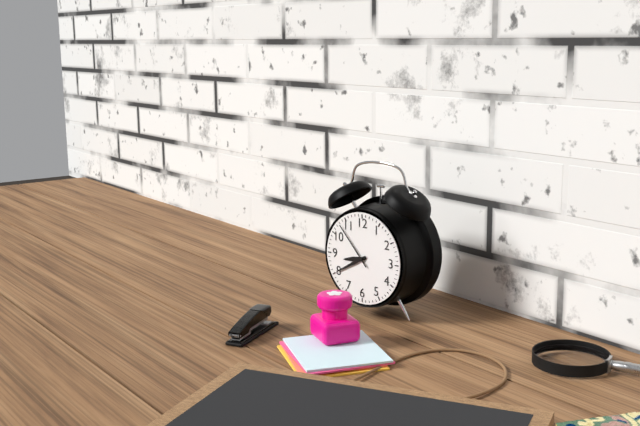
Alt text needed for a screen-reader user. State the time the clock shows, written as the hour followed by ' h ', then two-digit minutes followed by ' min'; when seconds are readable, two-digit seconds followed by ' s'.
8 h 40 min 53 s
